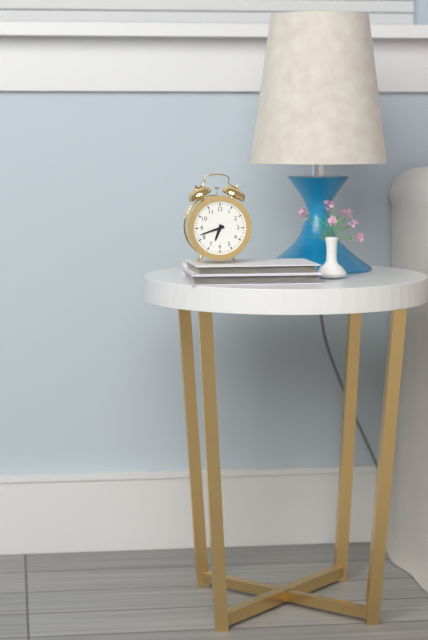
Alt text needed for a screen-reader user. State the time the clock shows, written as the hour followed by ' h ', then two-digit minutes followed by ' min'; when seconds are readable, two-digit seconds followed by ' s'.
6 h 42 min
